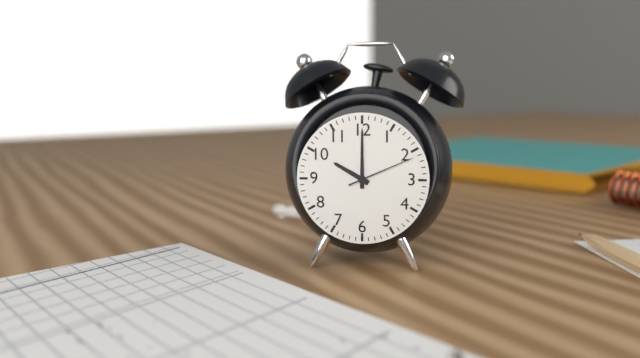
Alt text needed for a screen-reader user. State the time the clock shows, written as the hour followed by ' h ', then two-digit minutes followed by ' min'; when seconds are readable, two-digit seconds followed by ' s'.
10 h 00 min 11 s
